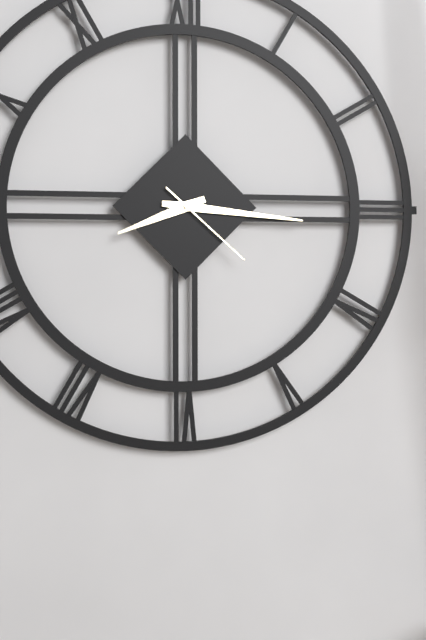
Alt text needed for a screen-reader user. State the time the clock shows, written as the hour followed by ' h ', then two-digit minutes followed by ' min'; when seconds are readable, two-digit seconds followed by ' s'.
8 h 16 min 22 s
